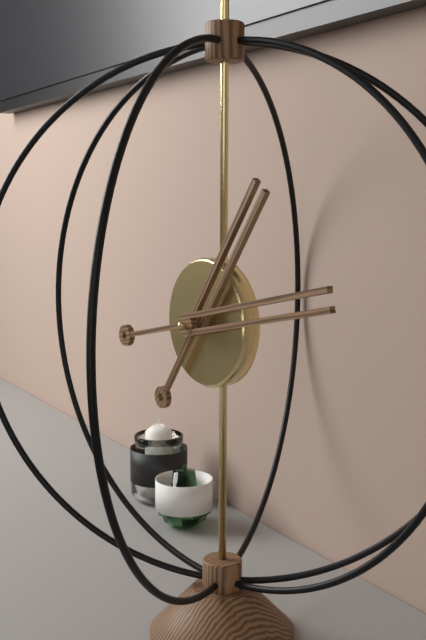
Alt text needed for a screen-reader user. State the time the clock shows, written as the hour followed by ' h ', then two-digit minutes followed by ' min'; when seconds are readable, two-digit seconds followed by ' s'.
1 h 13 min
